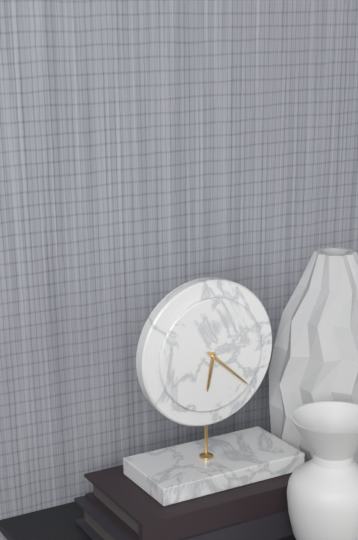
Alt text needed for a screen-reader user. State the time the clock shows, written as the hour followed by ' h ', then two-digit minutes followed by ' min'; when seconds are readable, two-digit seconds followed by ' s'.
6 h 22 min
